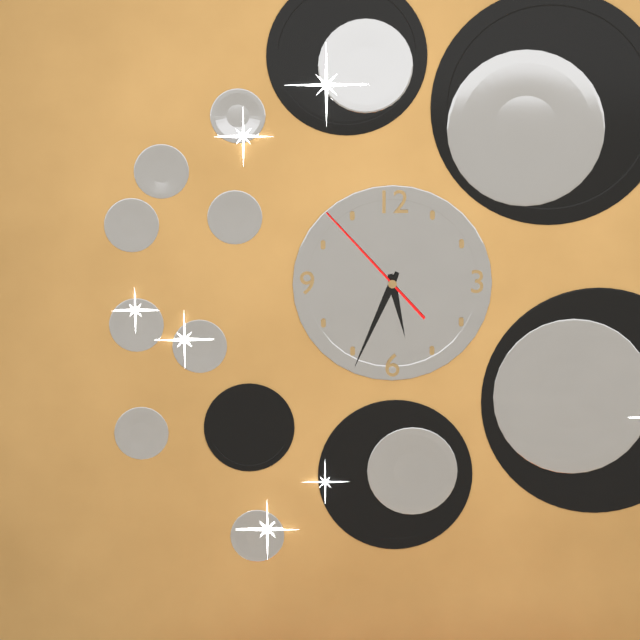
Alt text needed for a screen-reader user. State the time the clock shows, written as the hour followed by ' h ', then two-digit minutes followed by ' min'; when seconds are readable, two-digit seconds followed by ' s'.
5 h 34 min 53 s
